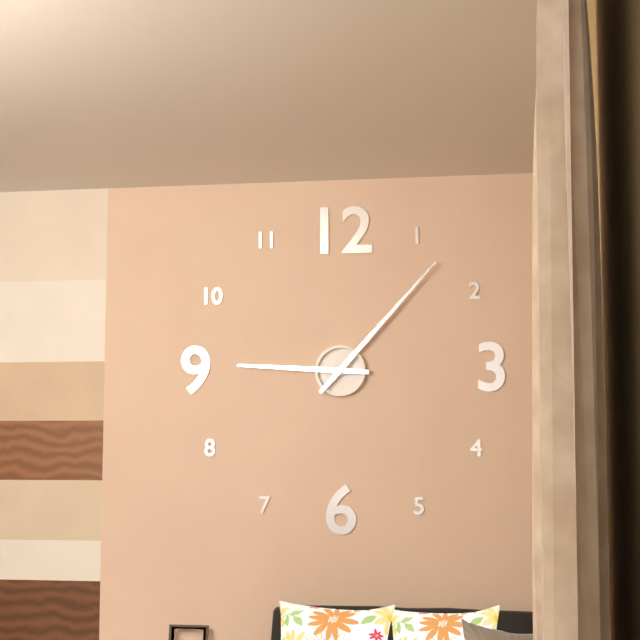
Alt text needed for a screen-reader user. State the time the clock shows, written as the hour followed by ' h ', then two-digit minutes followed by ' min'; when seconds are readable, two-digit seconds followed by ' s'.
9 h 07 min
